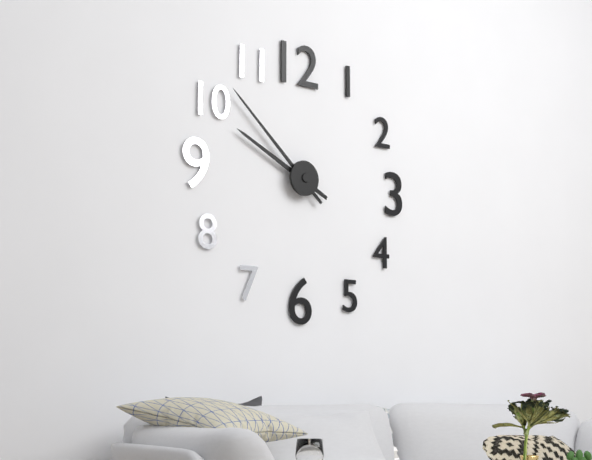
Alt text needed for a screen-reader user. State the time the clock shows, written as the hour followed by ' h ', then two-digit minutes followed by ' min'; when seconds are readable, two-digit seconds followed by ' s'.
9 h 52 min
